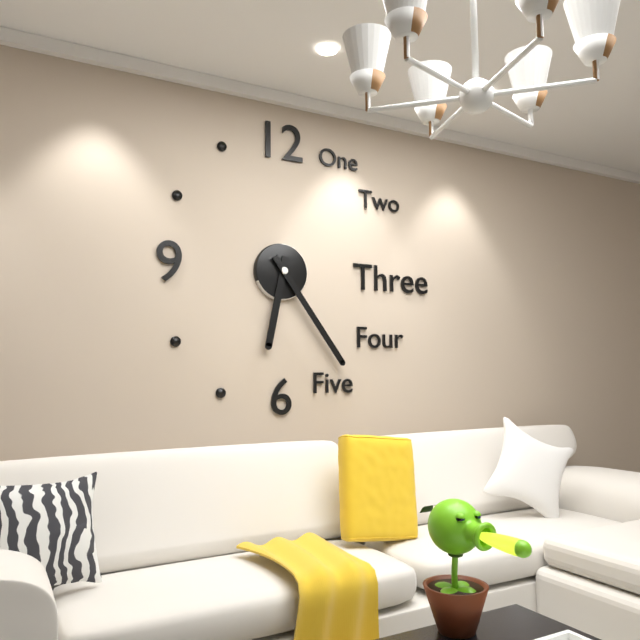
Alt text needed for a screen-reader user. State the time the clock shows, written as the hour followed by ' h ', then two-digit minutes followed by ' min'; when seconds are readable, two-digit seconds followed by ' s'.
6 h 24 min
